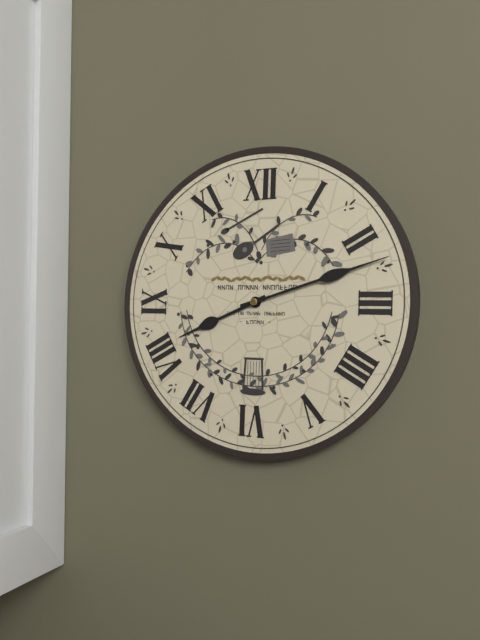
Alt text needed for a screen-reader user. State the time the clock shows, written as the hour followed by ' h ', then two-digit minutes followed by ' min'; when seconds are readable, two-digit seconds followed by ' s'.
8 h 12 min
